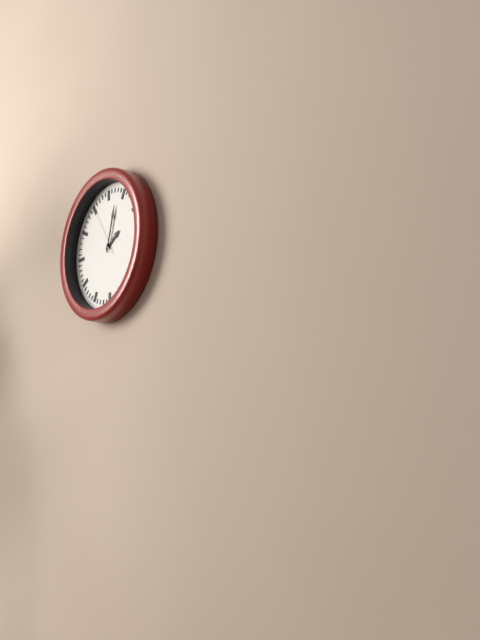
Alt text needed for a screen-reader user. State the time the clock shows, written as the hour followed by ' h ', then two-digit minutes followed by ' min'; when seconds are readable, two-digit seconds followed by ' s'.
2 h 03 min 55 s
